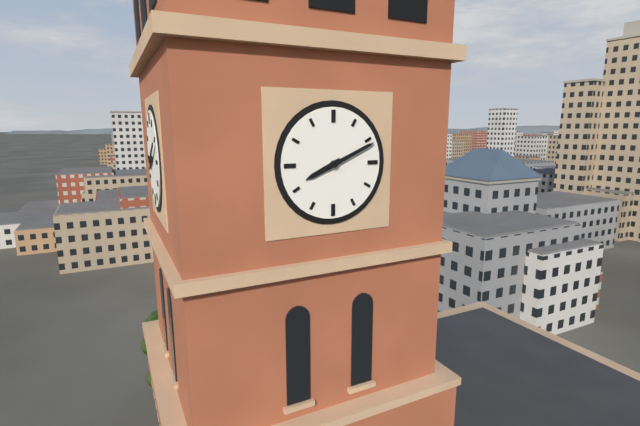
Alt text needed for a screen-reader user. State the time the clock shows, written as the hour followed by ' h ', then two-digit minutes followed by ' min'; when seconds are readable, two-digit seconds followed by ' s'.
8 h 11 min
